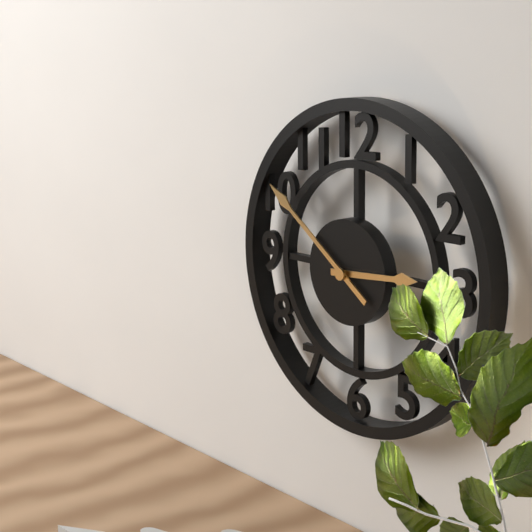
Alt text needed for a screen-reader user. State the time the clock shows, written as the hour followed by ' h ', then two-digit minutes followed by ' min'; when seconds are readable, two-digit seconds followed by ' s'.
2 h 51 min
